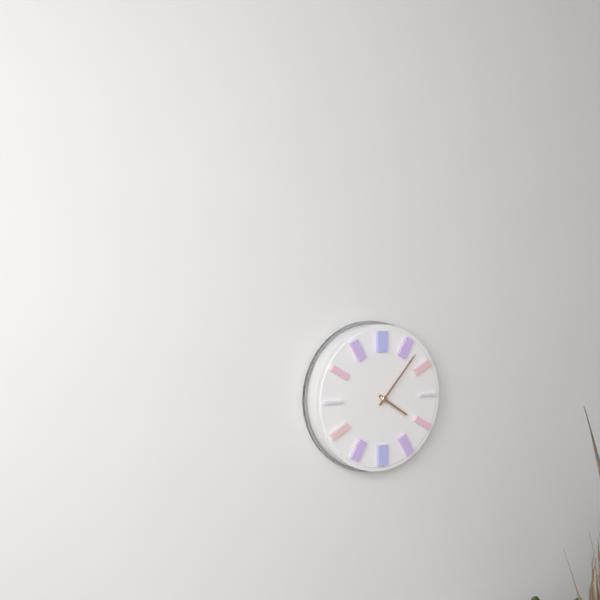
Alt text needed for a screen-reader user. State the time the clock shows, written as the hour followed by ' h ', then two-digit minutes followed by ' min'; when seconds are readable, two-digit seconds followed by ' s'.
4 h 07 min
